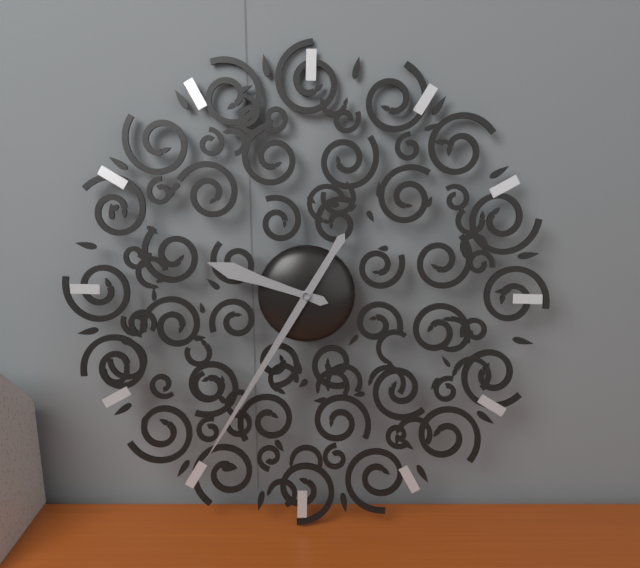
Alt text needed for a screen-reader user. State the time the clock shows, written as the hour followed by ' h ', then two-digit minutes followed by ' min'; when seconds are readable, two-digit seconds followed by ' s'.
9 h 35 min
